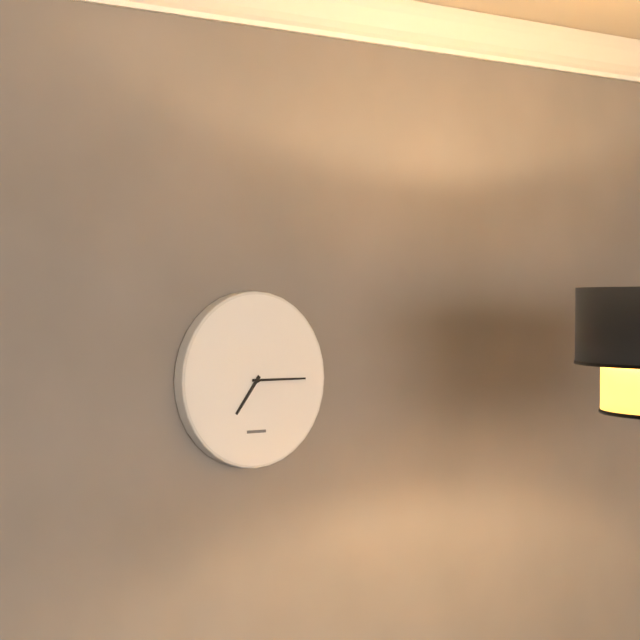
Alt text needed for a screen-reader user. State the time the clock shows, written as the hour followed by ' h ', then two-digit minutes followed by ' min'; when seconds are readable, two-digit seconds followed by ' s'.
7 h 15 min
